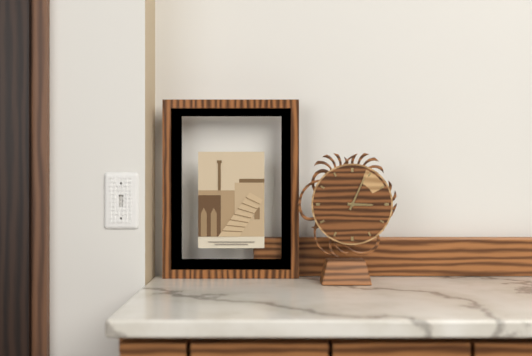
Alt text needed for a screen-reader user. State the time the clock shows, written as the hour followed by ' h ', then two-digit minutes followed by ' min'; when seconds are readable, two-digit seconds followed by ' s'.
3 h 04 min
